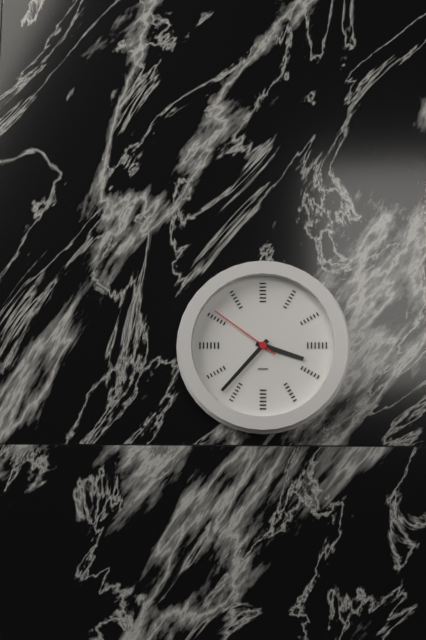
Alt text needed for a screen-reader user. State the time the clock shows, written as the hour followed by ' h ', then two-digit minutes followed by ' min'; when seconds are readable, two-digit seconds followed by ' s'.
3 h 37 min 51 s
